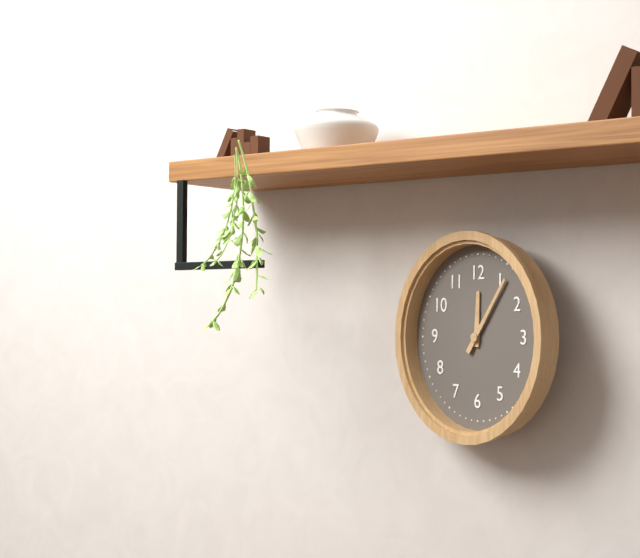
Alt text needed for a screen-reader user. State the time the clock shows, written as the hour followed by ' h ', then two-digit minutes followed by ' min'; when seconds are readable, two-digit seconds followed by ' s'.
12 h 06 min
